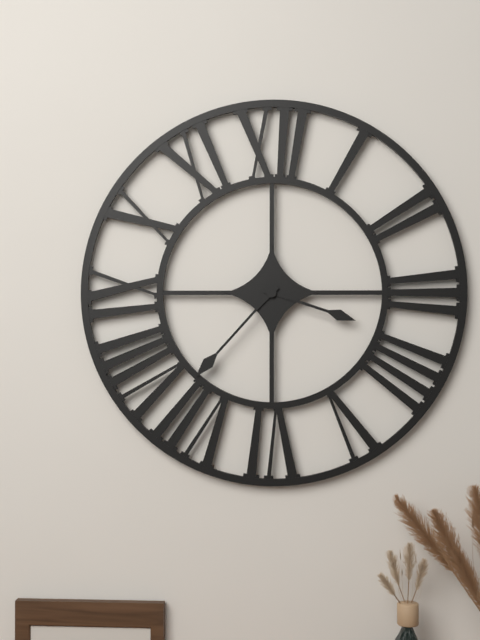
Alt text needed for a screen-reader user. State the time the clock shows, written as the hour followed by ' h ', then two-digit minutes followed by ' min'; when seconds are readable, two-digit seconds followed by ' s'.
3 h 37 min
